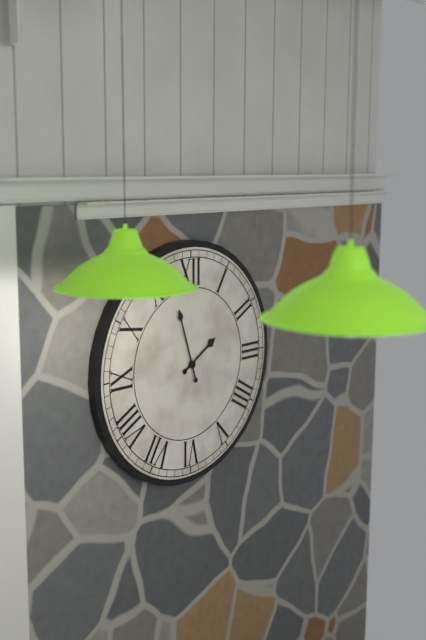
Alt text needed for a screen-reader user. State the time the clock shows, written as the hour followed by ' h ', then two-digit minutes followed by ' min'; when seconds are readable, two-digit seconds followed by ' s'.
1 h 57 min
